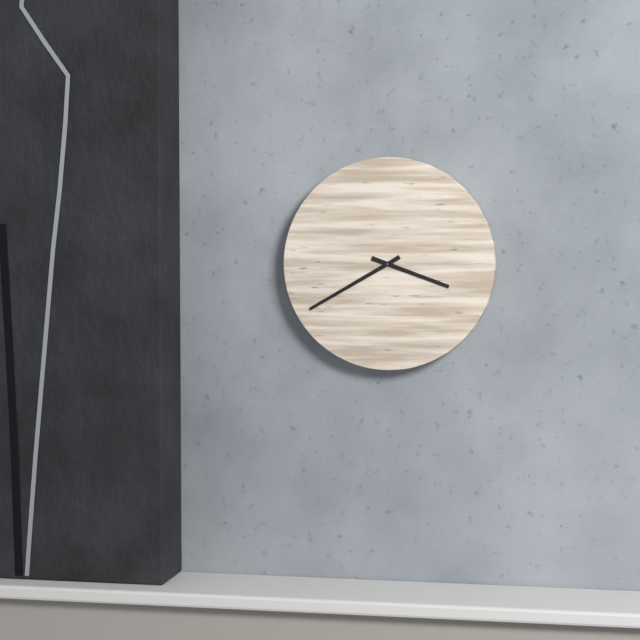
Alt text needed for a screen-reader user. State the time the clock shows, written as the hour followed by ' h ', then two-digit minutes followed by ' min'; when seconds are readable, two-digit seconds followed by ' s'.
3 h 40 min
